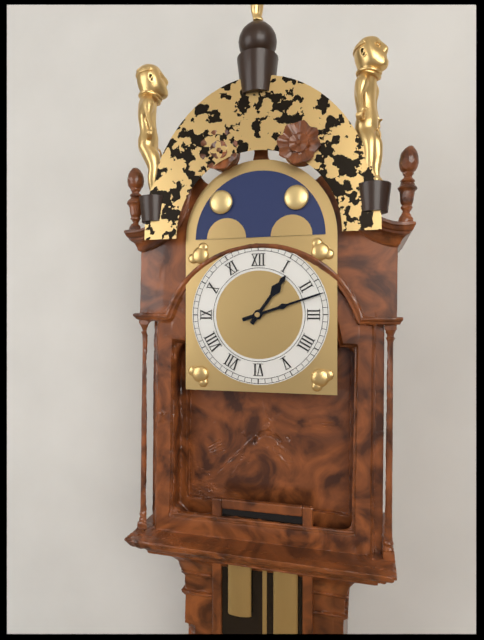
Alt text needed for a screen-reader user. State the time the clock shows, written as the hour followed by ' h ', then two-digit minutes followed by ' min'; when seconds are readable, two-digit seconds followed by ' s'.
1 h 12 min
